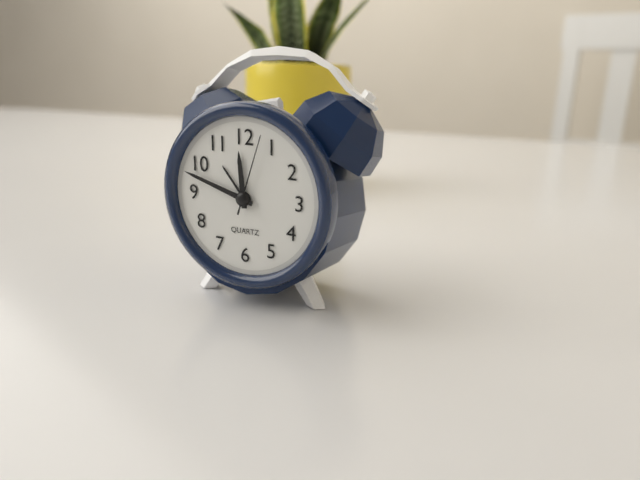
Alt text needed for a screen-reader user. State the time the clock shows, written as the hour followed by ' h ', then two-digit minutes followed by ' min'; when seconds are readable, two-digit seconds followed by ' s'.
11 h 48 min 03 s
